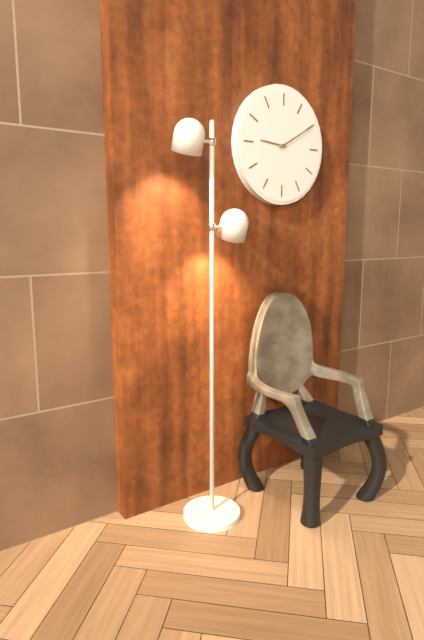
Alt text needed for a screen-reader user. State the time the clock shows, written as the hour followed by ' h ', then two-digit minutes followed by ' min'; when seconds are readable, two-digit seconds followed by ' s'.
9 h 10 min
